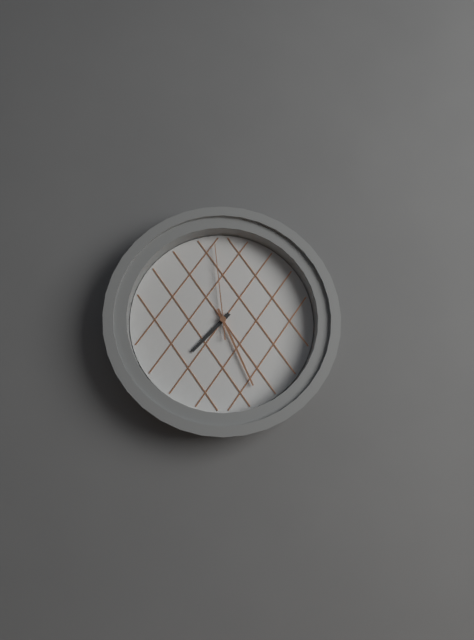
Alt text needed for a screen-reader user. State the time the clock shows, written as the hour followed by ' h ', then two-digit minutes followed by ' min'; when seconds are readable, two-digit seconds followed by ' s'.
7 h 26 min 59 s
